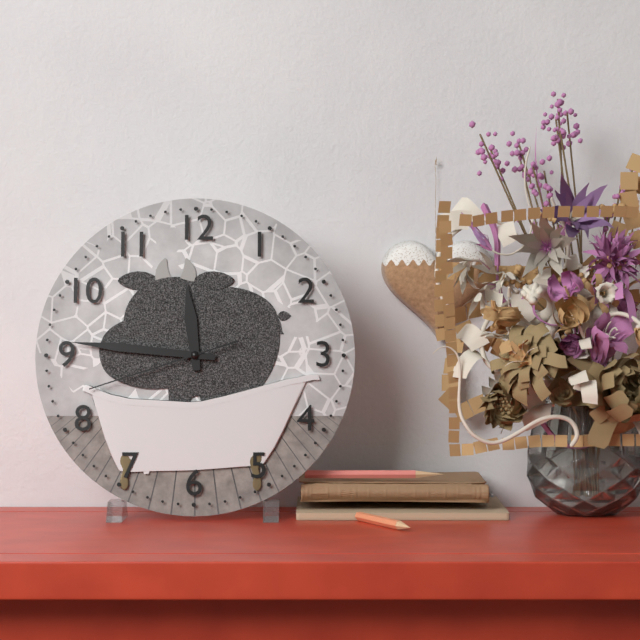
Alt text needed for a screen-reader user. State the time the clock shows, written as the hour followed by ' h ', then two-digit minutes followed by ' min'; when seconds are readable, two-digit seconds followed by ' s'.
11 h 46 min 42 s
